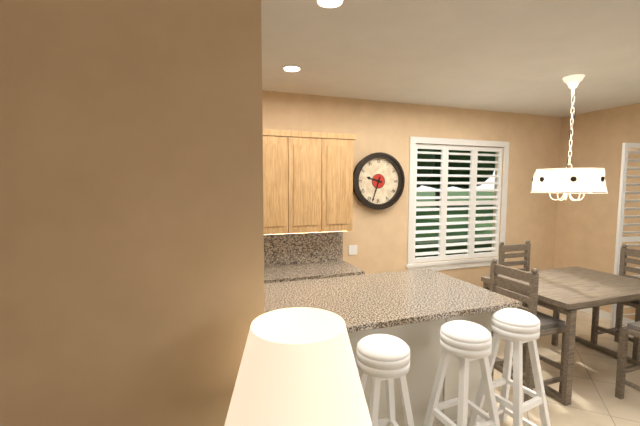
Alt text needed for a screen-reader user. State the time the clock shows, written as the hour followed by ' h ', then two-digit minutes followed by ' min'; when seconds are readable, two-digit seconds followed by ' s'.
9 h 33 min
